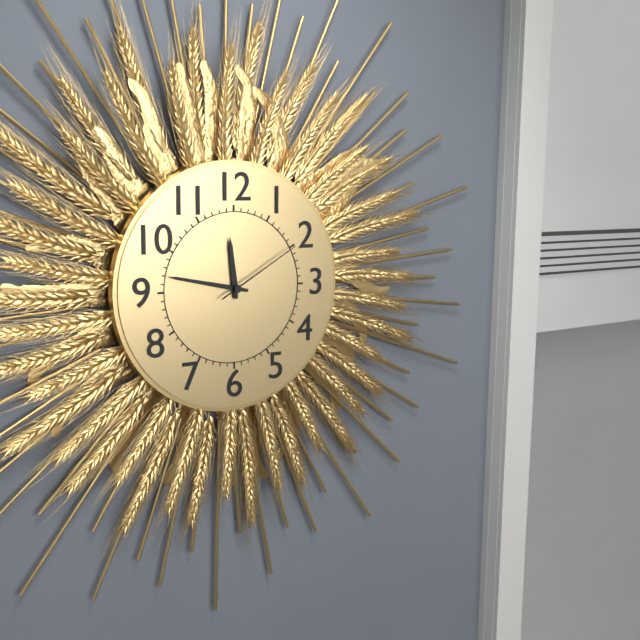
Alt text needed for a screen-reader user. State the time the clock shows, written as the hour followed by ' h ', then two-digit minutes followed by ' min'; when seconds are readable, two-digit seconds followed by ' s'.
11 h 47 min 10 s
